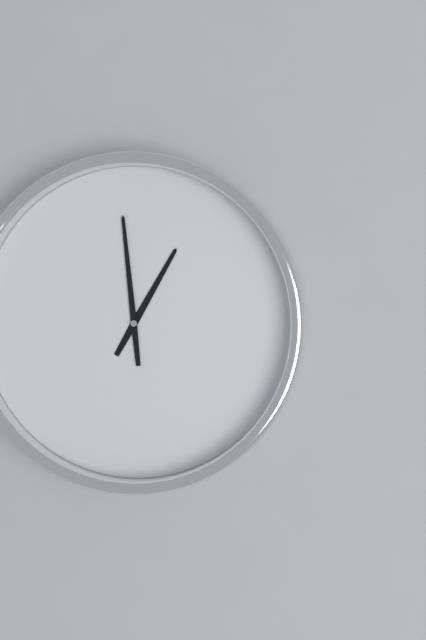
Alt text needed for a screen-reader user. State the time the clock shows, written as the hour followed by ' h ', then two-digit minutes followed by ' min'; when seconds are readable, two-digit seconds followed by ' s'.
12 h 59 min
